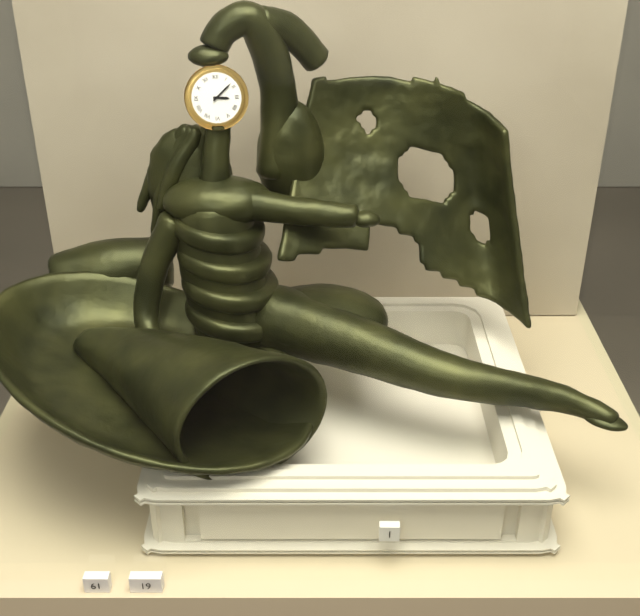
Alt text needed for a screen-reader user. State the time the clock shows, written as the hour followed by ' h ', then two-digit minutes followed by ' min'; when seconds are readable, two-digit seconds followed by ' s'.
3 h 08 min
